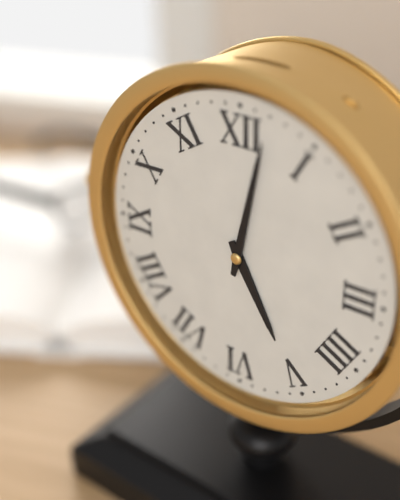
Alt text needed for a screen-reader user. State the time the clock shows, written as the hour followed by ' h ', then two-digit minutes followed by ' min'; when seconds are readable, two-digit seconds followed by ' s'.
5 h 02 min
